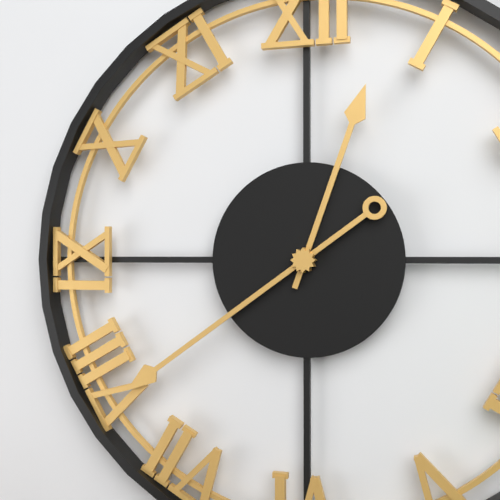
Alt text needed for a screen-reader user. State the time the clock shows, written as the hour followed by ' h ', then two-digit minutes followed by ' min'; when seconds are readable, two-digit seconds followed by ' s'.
12 h 39 min
